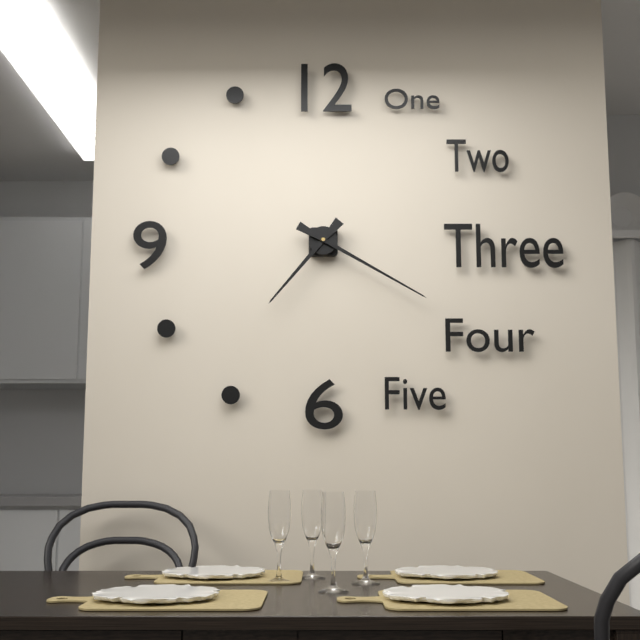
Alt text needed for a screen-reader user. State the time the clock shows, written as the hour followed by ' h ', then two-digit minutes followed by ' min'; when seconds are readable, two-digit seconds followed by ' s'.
7 h 20 min
